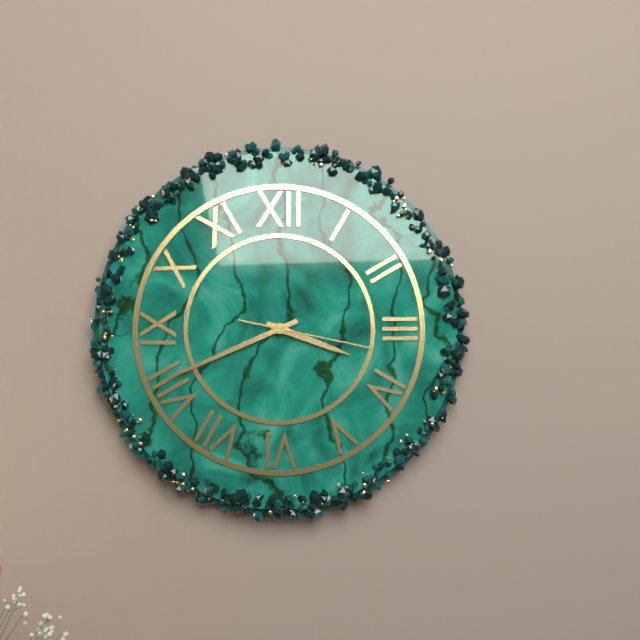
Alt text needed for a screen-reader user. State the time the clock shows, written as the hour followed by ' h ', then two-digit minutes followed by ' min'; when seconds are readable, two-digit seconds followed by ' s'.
3 h 41 min 17 s
